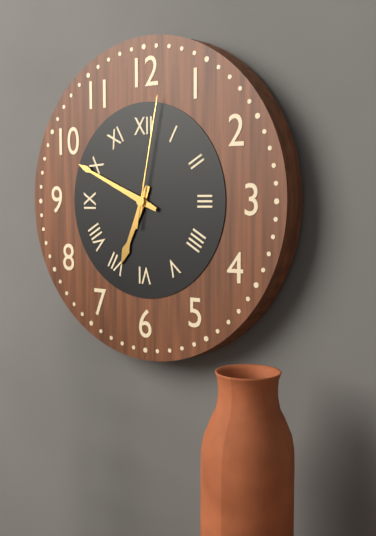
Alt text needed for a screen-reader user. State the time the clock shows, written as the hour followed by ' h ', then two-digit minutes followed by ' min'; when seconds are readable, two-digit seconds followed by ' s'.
6 h 49 min 02 s
